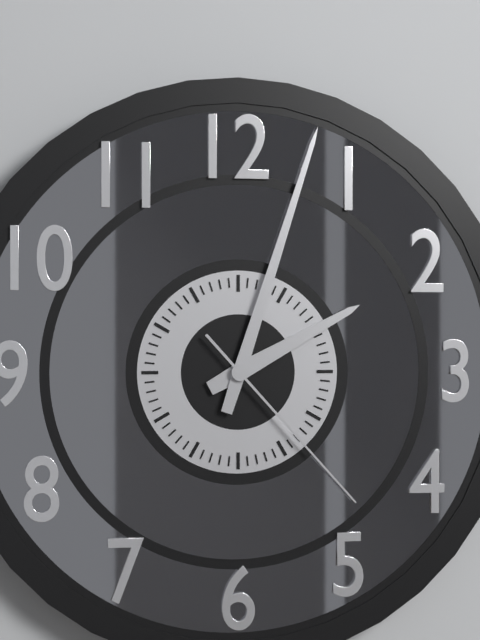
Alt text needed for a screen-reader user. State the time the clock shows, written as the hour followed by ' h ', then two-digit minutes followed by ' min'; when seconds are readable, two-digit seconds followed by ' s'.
2 h 03 min 23 s
